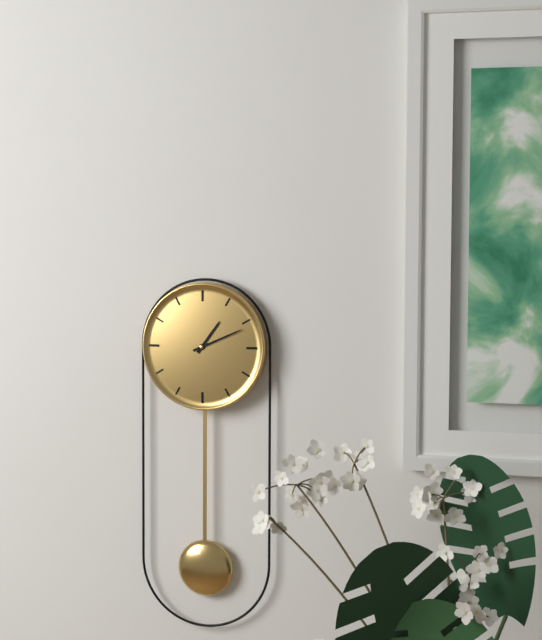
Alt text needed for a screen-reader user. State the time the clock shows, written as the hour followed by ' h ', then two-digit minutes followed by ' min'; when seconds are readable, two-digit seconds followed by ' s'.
1 h 11 min
